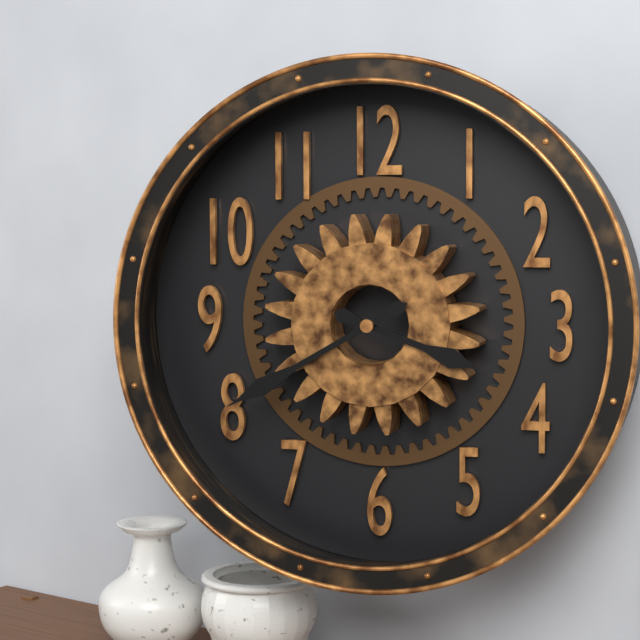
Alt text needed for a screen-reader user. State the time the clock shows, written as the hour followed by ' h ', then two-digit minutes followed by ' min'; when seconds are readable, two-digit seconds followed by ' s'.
3 h 40 min
